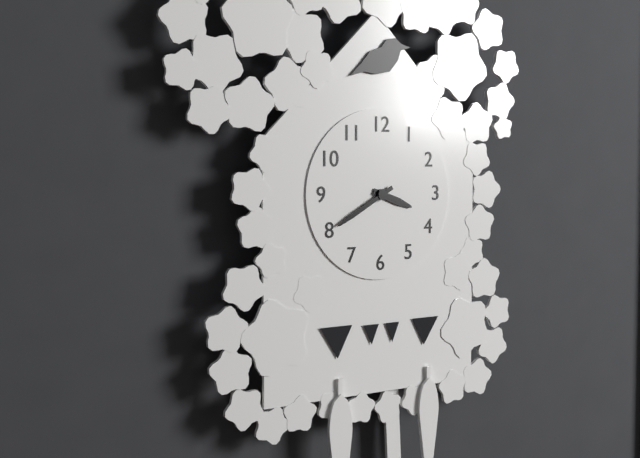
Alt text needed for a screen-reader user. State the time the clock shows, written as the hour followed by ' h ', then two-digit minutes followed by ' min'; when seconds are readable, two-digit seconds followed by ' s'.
3 h 40 min
